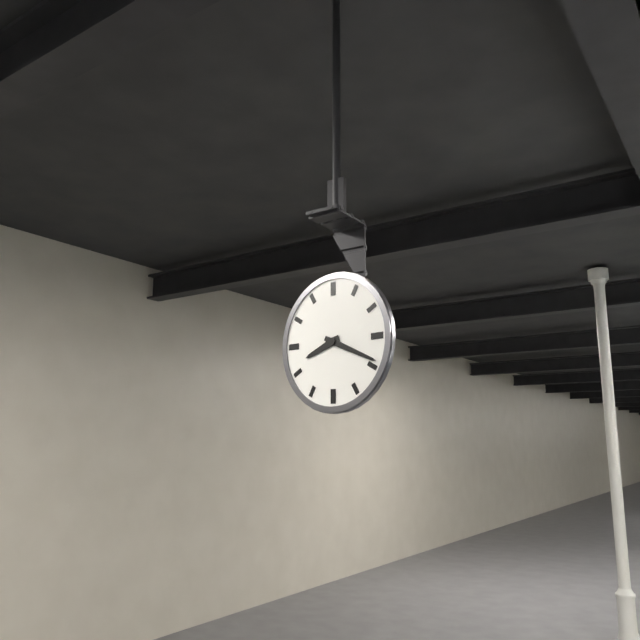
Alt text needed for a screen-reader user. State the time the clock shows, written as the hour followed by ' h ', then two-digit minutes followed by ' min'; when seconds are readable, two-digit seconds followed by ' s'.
8 h 19 min
